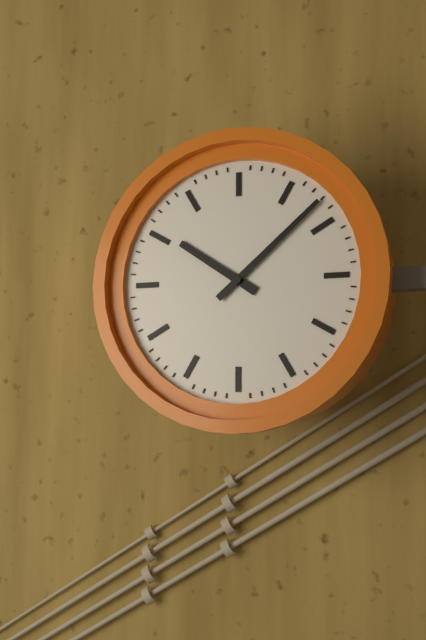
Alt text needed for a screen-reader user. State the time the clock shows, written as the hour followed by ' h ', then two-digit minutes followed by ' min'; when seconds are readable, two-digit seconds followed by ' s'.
10 h 08 min
